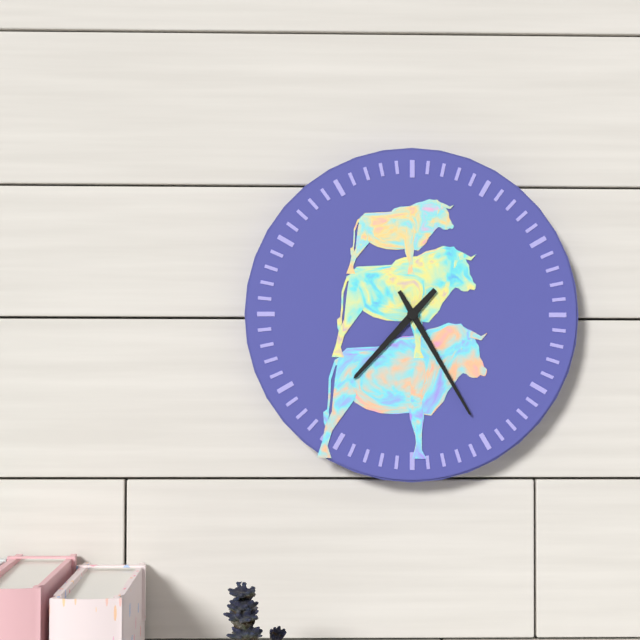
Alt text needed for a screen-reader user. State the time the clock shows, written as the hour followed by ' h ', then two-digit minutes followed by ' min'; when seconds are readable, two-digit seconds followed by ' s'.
7 h 25 min
